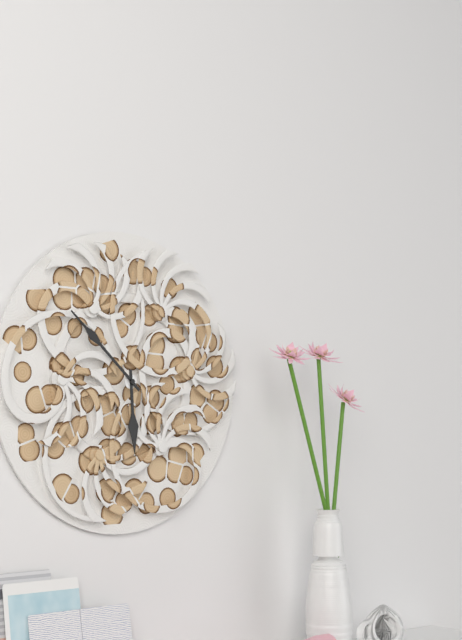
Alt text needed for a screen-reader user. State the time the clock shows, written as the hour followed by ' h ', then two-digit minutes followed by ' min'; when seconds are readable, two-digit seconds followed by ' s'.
5 h 52 min
